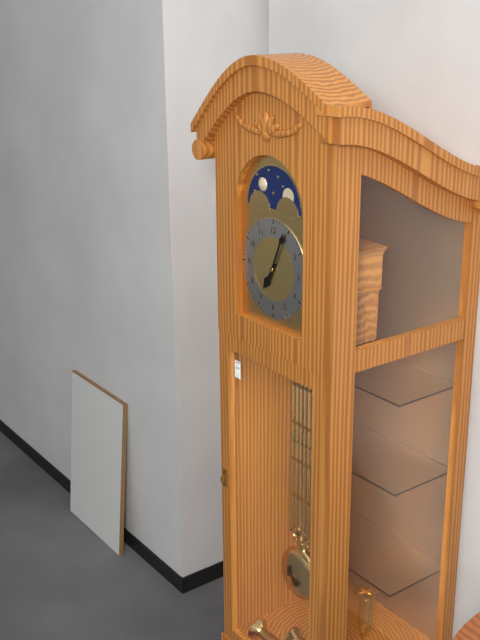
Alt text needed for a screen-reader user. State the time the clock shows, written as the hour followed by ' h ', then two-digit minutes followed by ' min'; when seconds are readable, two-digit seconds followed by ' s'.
7 h 04 min
